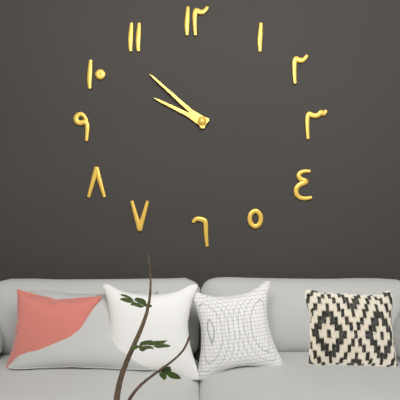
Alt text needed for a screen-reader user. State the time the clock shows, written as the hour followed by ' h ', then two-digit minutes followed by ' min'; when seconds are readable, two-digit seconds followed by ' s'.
9 h 52 min
